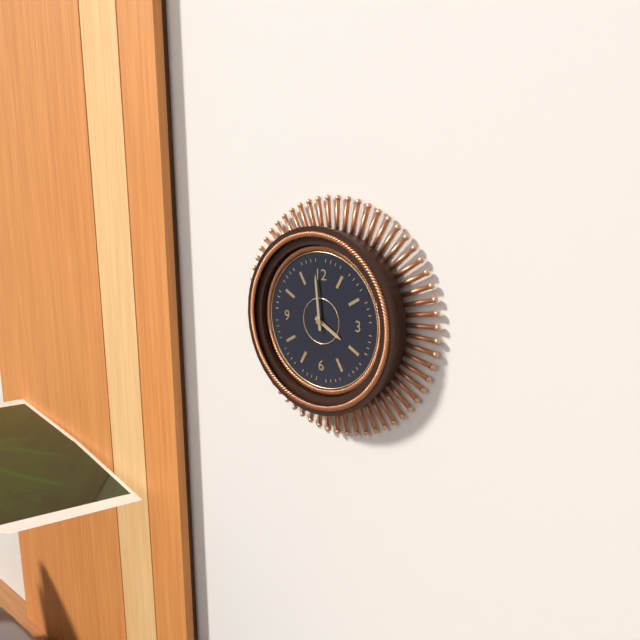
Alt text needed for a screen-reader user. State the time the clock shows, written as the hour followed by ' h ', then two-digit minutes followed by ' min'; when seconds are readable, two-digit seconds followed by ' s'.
3 h 59 min
